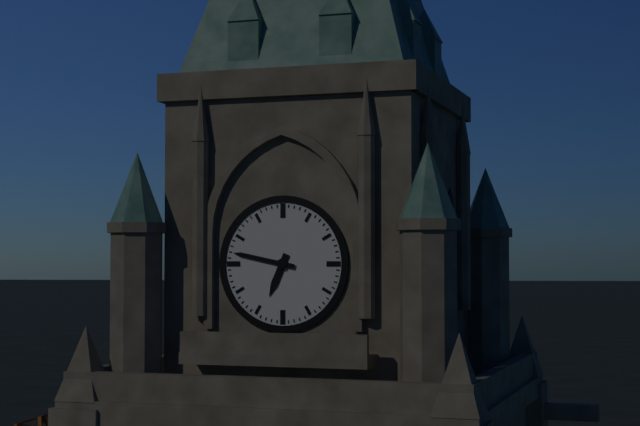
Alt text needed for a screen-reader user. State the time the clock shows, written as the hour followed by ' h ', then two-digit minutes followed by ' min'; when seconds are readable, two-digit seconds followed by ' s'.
6 h 47 min
